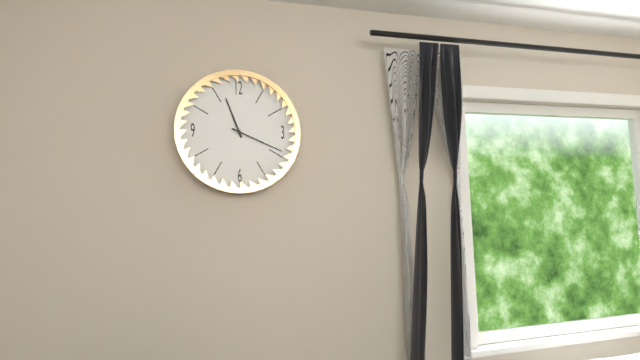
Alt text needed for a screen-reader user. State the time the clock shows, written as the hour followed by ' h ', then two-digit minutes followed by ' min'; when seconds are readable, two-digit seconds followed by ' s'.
11 h 19 min
